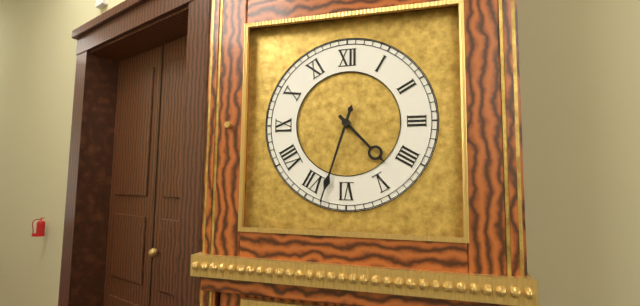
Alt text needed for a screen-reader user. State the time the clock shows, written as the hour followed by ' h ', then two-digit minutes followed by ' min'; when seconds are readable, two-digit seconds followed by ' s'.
4 h 33 min
